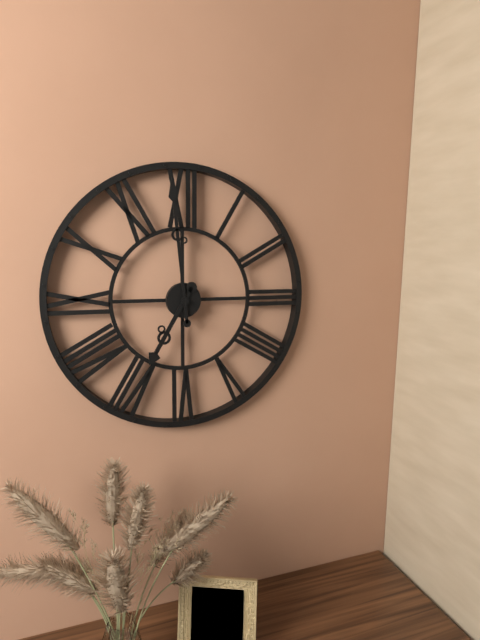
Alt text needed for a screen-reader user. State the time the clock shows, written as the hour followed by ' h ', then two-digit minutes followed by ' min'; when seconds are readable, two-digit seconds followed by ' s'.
6 h 59 min
